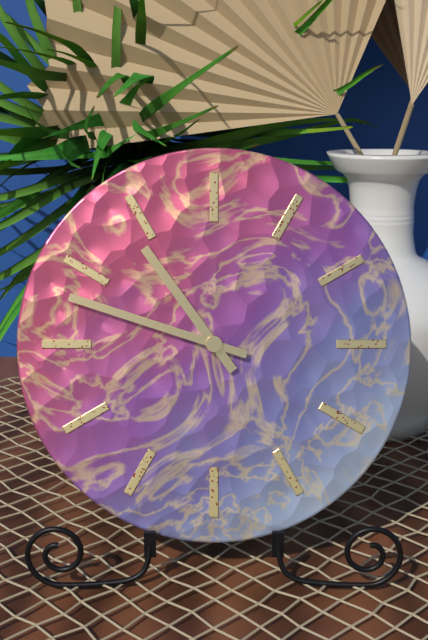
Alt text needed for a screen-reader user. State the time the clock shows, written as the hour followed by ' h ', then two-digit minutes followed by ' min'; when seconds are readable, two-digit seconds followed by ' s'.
10 h 48 min
